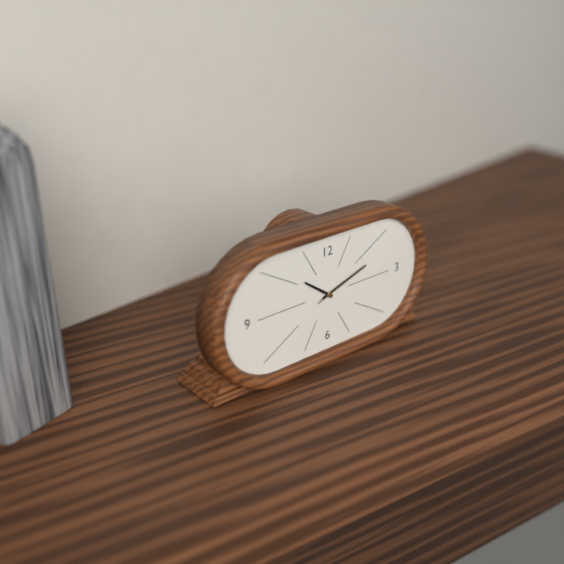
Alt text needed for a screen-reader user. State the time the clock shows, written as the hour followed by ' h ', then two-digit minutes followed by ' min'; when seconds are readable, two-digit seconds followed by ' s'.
10 h 12 min 12 s
